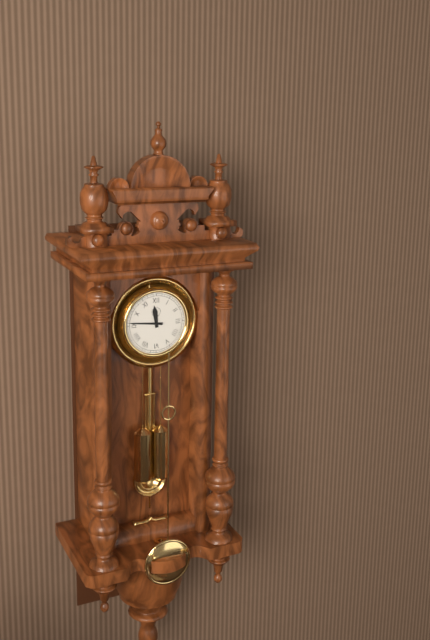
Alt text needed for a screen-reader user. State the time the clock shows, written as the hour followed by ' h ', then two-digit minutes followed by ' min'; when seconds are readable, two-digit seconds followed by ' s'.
11 h 46 min
